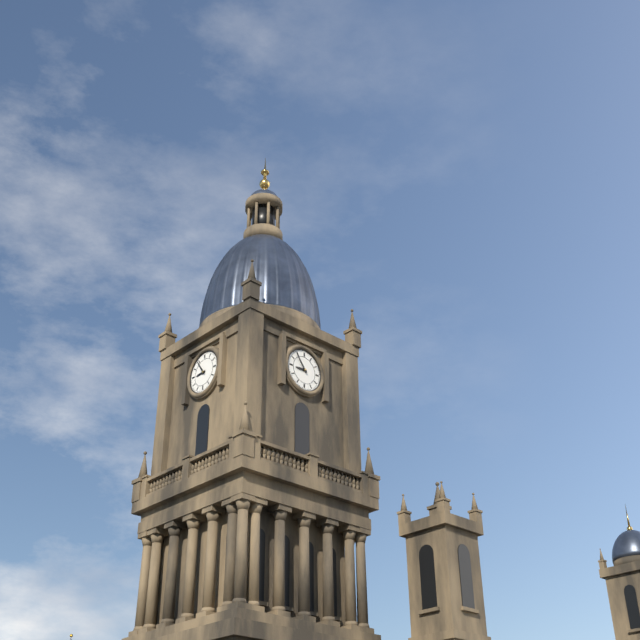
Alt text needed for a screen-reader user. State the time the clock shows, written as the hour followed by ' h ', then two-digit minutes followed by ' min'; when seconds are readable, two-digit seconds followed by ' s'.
8 h 54 min
